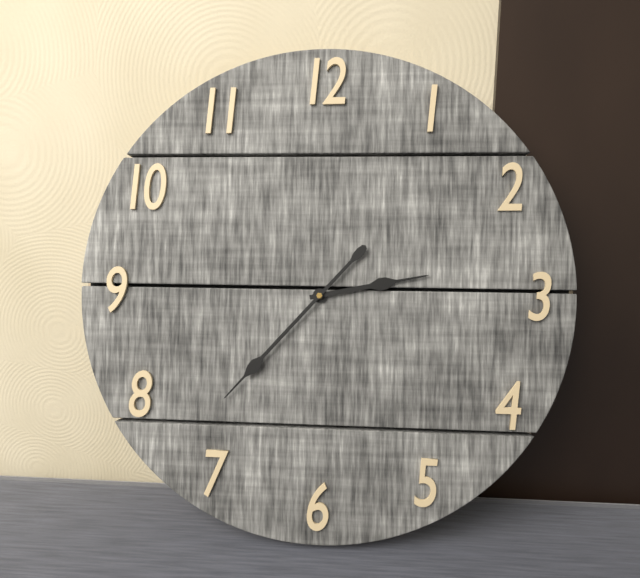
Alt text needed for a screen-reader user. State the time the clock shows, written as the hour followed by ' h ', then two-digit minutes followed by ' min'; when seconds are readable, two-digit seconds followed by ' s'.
2 h 37 min
